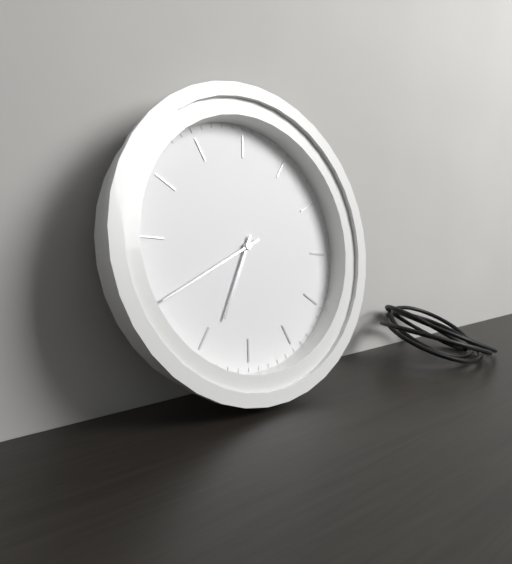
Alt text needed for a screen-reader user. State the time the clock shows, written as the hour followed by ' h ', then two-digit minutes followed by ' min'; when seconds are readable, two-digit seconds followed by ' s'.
7 h 45 min
